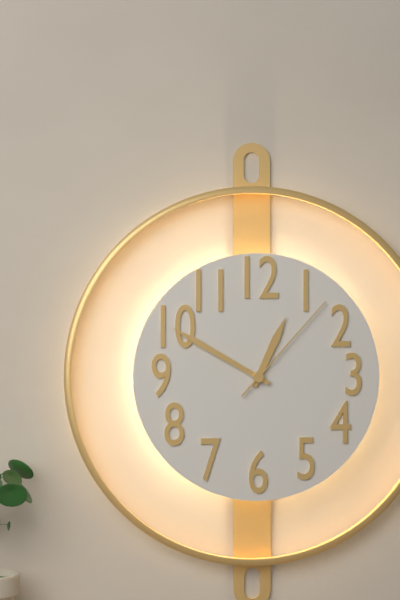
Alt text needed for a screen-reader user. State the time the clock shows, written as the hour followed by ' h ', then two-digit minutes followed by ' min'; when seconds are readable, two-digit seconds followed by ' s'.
12 h 50 min 07 s
